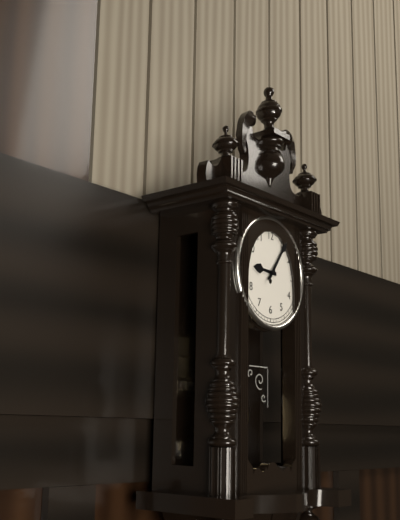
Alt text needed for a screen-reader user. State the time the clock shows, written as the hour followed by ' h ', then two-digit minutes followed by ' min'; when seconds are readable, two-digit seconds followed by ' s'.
9 h 06 min
